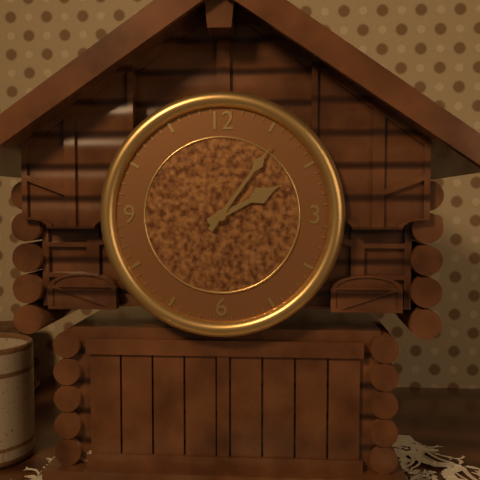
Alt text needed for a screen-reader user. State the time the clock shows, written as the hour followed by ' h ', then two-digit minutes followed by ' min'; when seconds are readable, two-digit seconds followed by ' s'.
2 h 06 min
